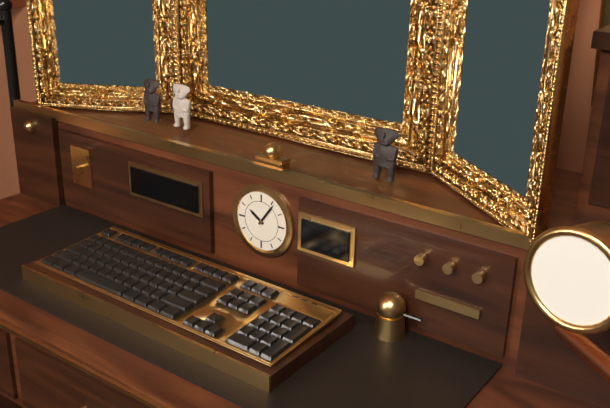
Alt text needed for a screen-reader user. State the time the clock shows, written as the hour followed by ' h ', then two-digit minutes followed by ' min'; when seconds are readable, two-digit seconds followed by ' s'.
10 h 06 min
